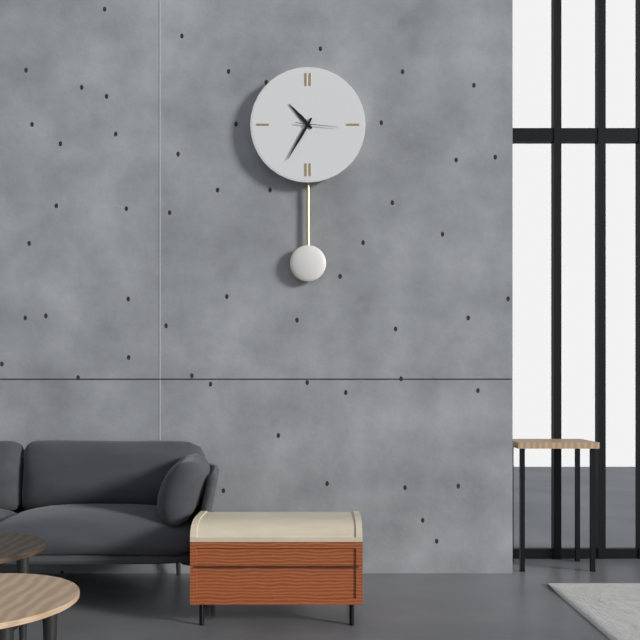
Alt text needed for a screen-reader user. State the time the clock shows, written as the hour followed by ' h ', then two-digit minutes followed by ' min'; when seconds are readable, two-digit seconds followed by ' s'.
10 h 35 min
